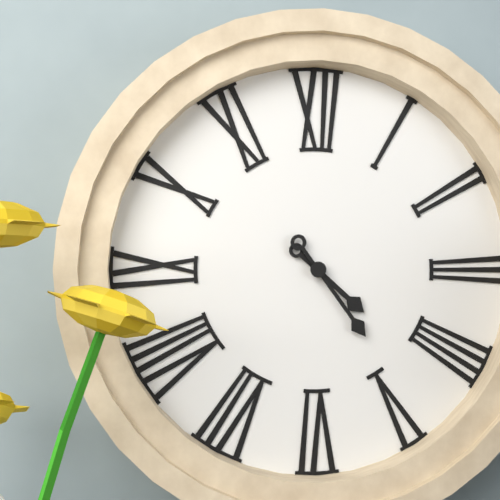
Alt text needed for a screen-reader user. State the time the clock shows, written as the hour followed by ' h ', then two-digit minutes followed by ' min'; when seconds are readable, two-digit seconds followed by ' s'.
4 h 24 min
